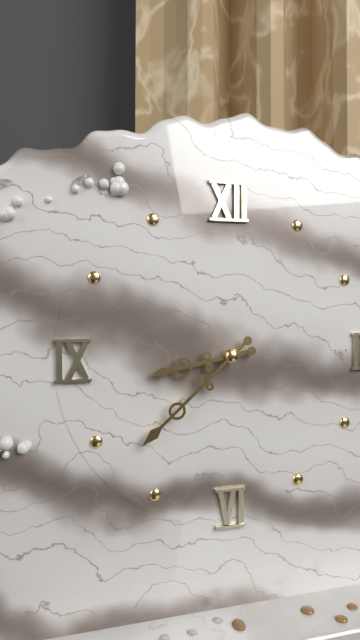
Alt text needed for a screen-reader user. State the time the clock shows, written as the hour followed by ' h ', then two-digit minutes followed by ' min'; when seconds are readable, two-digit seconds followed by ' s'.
8 h 38 min
